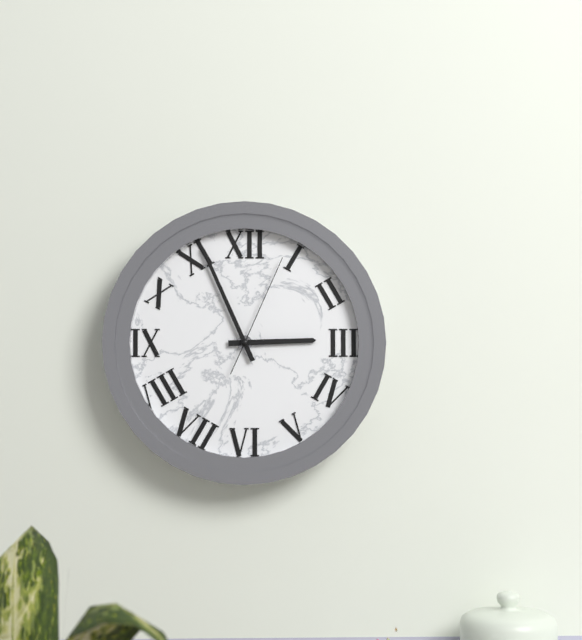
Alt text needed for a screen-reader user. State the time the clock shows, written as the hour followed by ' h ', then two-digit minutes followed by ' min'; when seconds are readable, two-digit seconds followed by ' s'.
2 h 56 min 04 s
